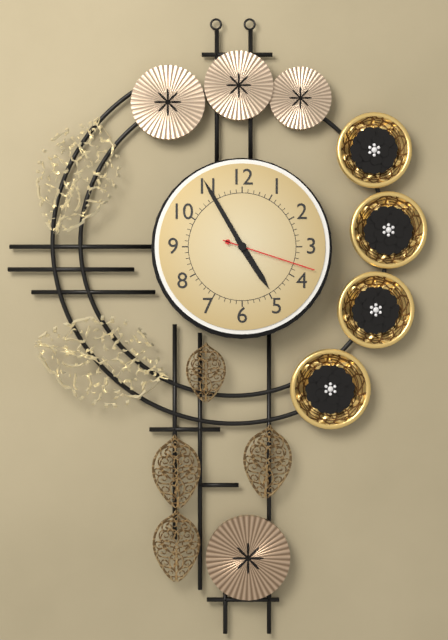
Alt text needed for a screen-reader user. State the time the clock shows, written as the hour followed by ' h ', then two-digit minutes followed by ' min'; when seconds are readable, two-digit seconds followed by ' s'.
4 h 55 min 18 s
